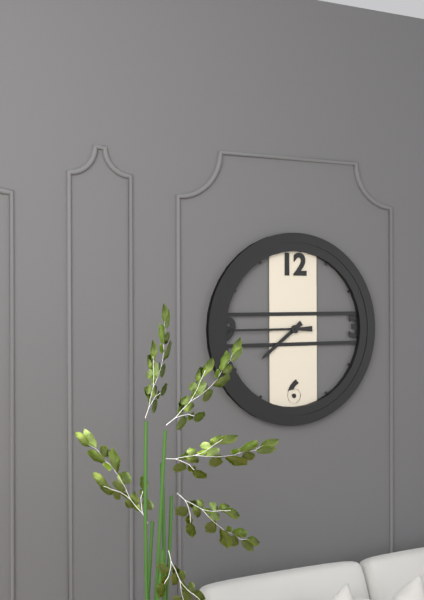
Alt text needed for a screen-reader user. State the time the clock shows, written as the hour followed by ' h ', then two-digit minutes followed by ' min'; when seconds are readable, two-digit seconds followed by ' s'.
7 h 45 min
